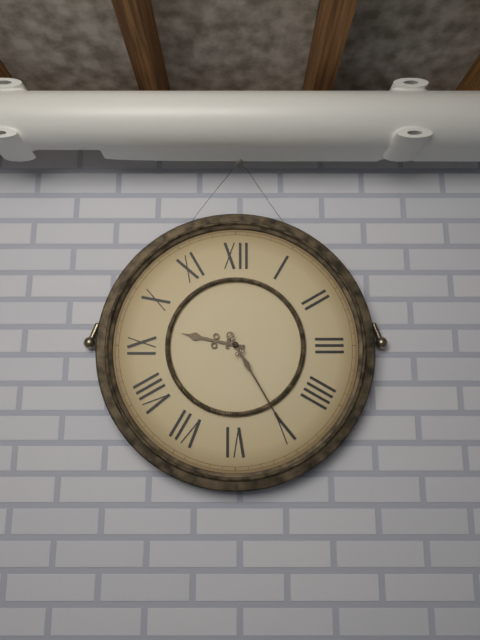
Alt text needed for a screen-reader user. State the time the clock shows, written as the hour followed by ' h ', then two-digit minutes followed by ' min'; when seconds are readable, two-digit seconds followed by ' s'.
9 h 25 min
